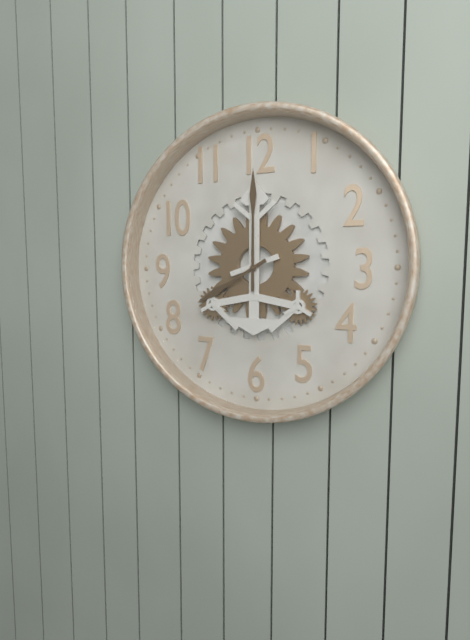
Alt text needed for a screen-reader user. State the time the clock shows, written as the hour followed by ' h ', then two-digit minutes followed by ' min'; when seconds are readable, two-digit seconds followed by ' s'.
8 h 00 min
